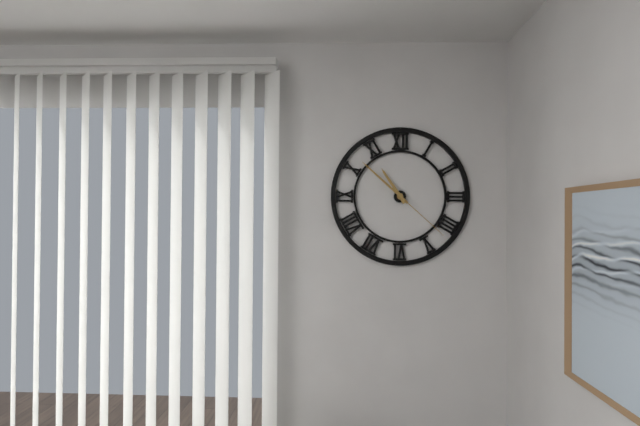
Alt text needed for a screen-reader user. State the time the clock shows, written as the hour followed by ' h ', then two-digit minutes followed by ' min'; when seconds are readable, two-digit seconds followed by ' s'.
10 h 52 min 22 s
